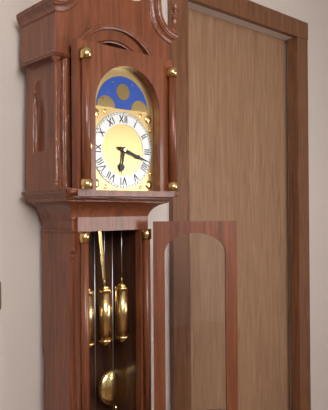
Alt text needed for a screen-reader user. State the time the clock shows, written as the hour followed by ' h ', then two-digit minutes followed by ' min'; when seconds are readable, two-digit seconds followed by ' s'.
6 h 18 min
